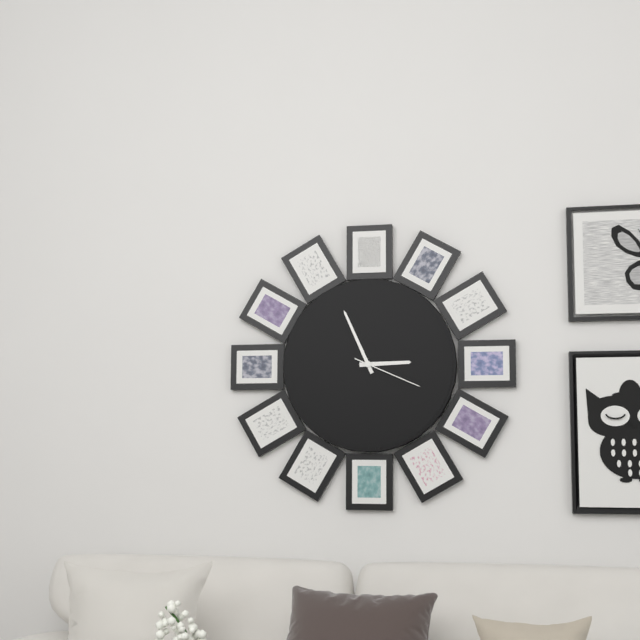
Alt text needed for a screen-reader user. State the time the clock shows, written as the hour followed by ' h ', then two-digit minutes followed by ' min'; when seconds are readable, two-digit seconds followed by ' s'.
2 h 56 min 19 s
